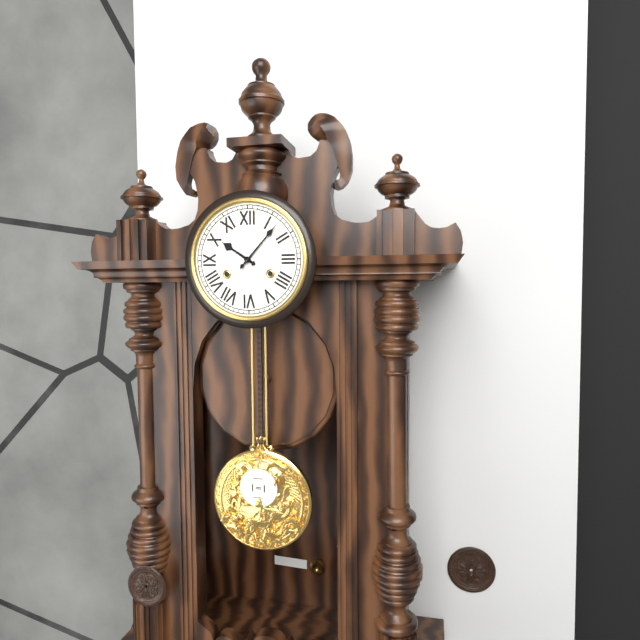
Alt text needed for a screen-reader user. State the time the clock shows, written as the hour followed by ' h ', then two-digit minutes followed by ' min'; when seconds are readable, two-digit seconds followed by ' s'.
10 h 07 min
